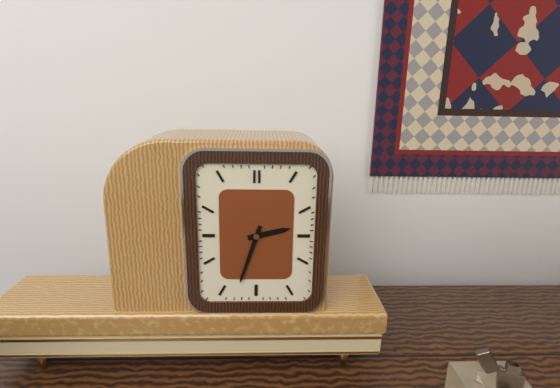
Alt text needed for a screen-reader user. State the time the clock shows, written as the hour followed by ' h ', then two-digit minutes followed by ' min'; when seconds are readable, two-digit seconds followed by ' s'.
2 h 33 min
